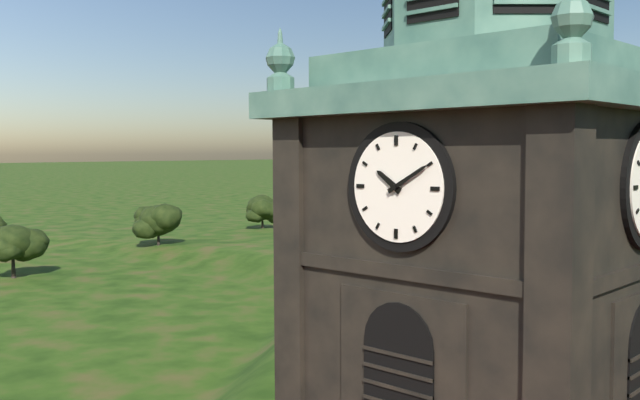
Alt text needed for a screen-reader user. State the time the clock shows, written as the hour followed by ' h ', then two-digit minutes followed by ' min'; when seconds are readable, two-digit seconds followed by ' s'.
10 h 10 min
